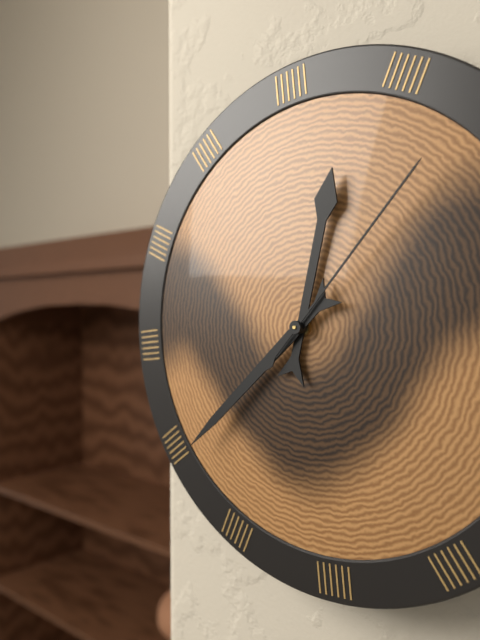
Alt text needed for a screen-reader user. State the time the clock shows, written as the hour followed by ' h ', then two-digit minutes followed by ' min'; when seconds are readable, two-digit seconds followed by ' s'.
12 h 39 min 08 s
